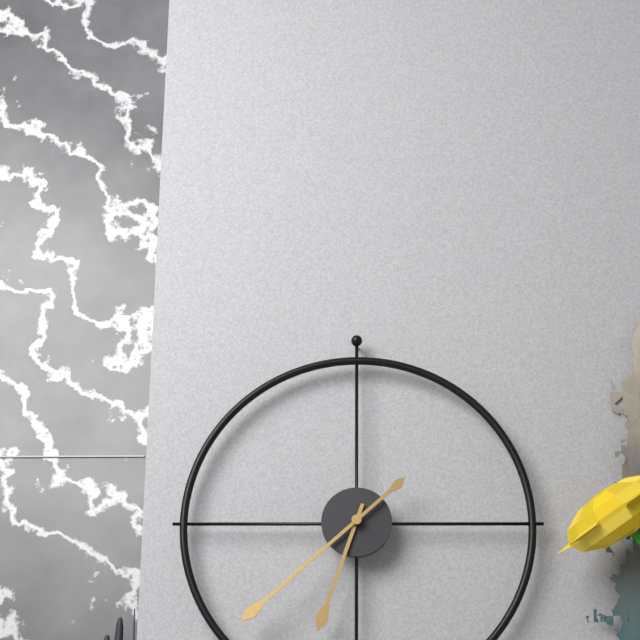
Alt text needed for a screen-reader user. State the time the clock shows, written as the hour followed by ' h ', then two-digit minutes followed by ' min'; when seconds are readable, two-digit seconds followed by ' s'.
6 h 38 min
